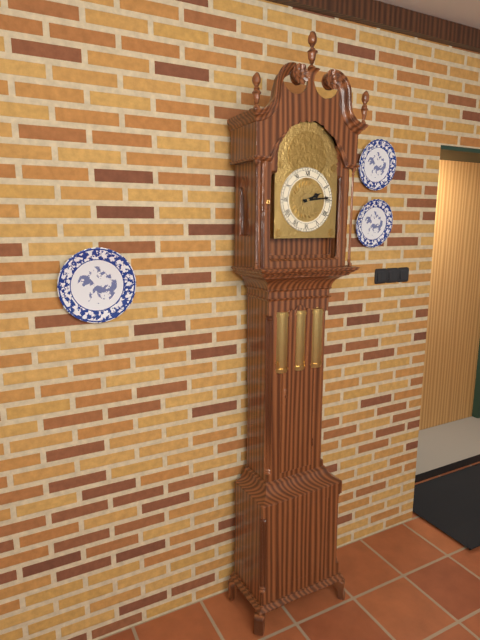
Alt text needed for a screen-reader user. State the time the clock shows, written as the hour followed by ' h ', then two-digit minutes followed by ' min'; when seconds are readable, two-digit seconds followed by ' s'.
2 h 14 min
